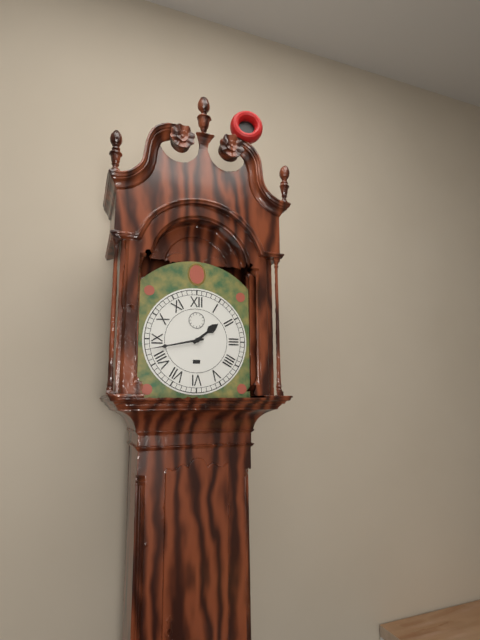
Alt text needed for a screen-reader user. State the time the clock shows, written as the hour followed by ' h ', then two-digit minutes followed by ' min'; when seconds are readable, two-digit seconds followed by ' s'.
1 h 43 min
